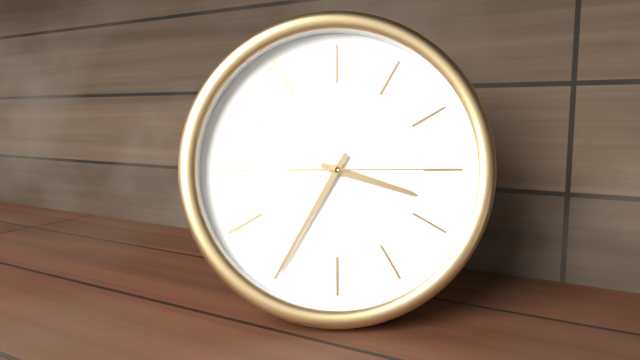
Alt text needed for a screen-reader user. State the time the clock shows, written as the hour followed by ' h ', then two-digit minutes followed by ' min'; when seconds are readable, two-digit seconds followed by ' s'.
3 h 35 min 15 s
